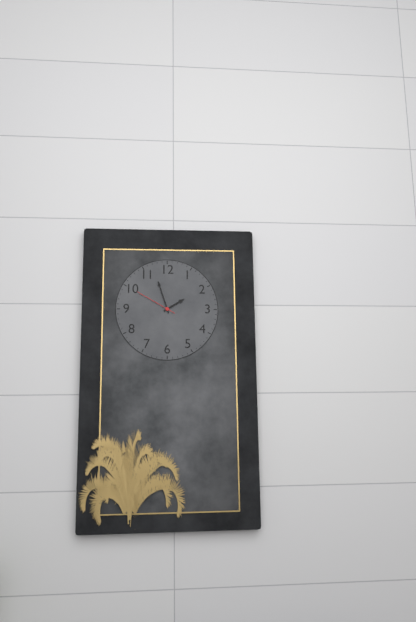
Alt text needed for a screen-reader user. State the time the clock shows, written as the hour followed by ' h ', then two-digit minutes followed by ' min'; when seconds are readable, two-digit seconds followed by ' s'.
1 h 57 min
